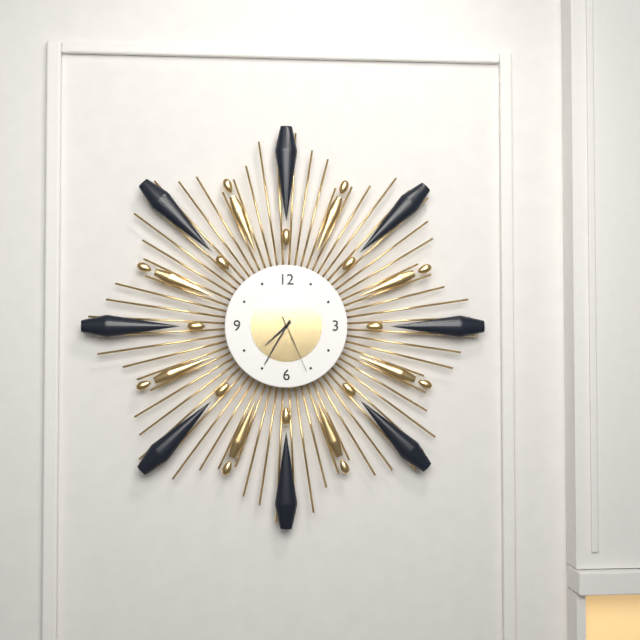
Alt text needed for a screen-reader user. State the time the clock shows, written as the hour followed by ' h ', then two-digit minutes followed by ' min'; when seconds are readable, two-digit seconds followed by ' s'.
7 h 35 min 26 s
